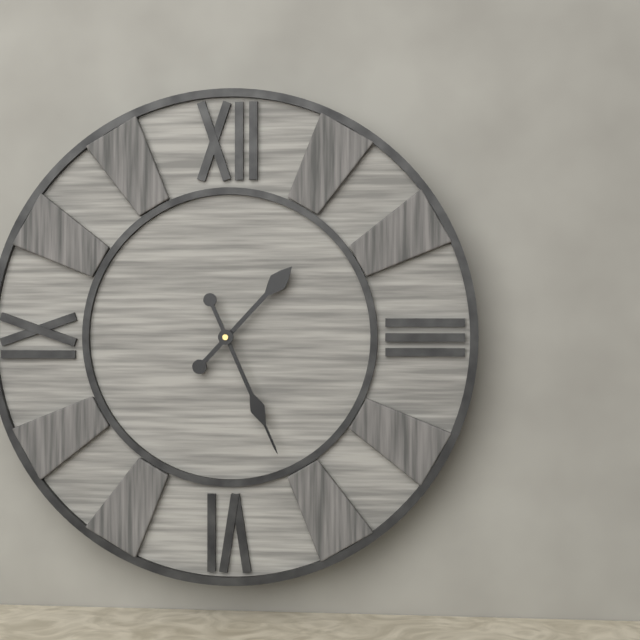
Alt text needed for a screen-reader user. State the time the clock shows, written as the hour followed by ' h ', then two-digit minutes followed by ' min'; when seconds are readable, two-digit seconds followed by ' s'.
1 h 26 min
